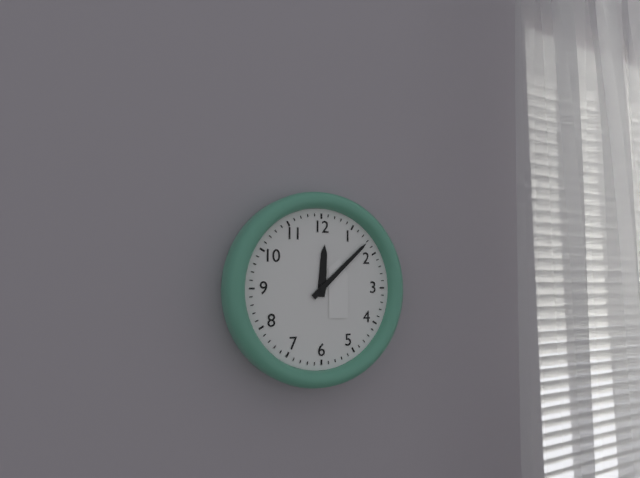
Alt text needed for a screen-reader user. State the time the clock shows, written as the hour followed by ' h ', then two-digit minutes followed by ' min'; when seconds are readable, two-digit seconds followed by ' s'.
12 h 08 min
